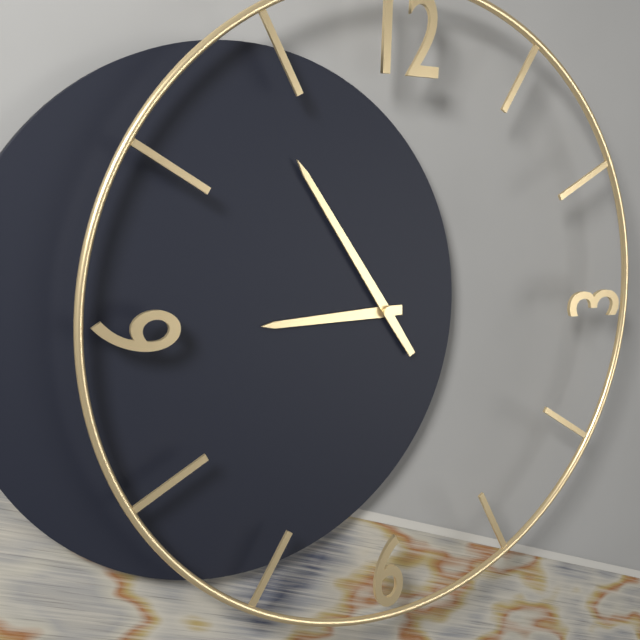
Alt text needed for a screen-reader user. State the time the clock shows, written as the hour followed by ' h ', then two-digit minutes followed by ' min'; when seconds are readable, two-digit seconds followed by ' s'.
8 h 54 min
